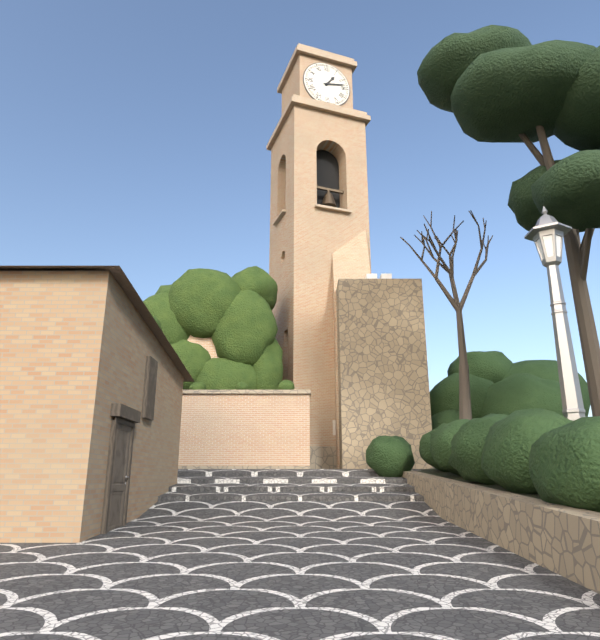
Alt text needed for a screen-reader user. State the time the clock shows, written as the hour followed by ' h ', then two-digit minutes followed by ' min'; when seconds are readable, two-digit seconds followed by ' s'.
1 h 13 min
